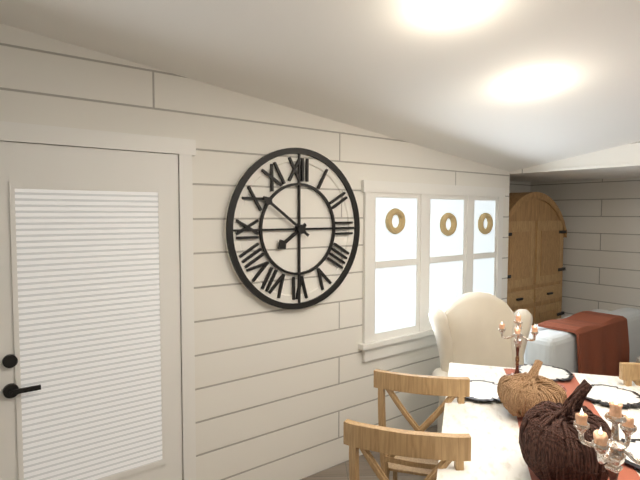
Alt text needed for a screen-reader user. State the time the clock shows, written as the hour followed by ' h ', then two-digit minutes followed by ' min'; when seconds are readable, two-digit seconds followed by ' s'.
7 h 51 min
